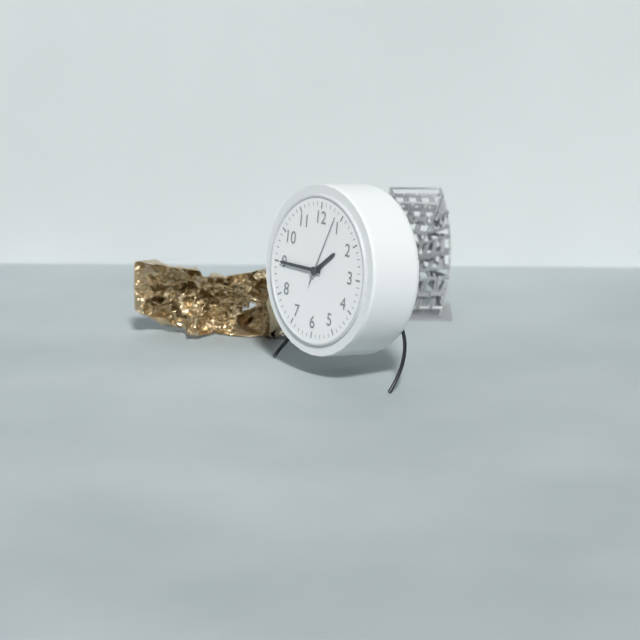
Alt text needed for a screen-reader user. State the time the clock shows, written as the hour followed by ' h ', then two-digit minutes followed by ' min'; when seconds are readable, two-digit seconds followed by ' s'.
1 h 45 min 04 s
